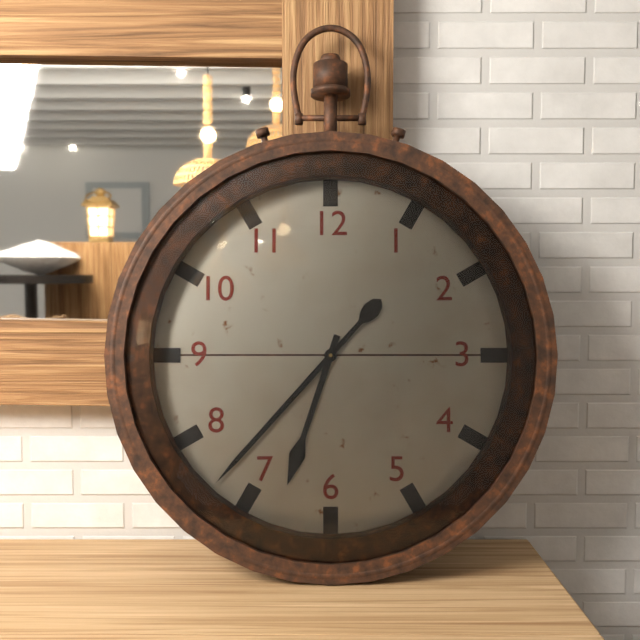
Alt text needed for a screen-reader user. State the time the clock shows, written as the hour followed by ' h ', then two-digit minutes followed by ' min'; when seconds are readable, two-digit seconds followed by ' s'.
6 h 37 min
